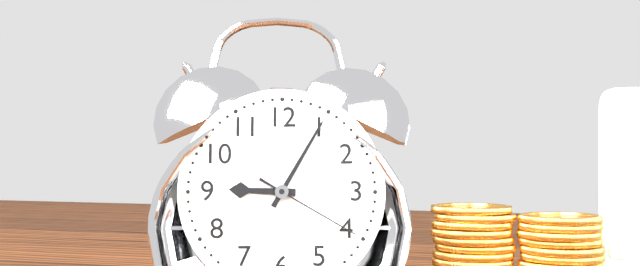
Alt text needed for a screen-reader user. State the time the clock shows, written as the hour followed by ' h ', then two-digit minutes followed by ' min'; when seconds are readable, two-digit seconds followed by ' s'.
9 h 05 min 20 s
